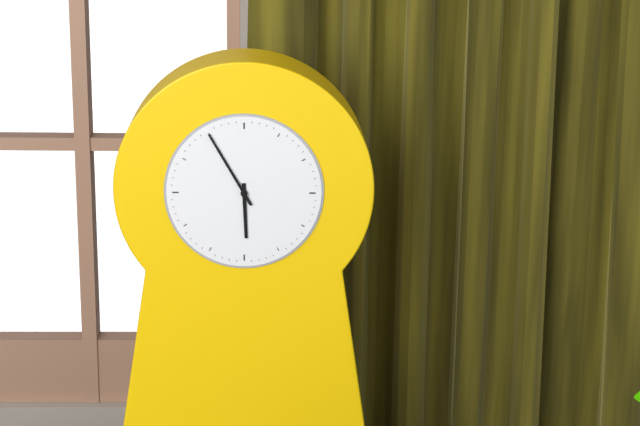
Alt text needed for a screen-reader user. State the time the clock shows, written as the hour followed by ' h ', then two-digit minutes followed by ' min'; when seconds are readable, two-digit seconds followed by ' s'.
5 h 55 min
